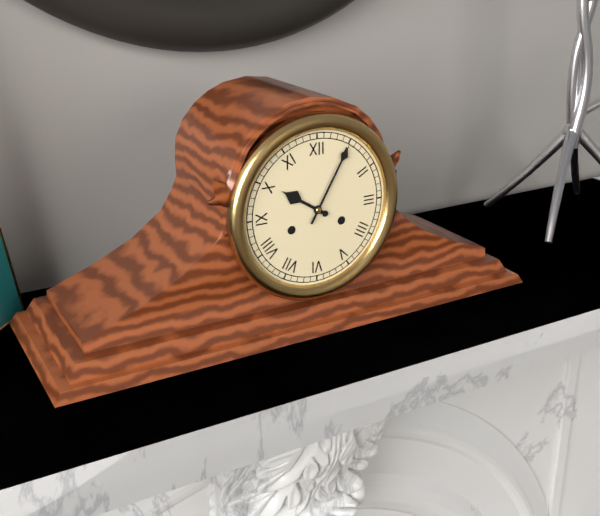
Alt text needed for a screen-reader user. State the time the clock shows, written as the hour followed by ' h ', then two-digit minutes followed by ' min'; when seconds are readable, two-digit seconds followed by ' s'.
10 h 05 min
